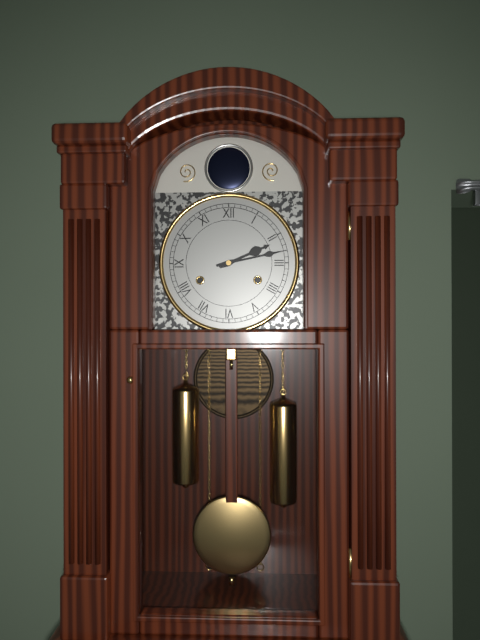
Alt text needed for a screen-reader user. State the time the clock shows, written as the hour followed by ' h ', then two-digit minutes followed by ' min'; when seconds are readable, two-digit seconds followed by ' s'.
2 h 13 min
